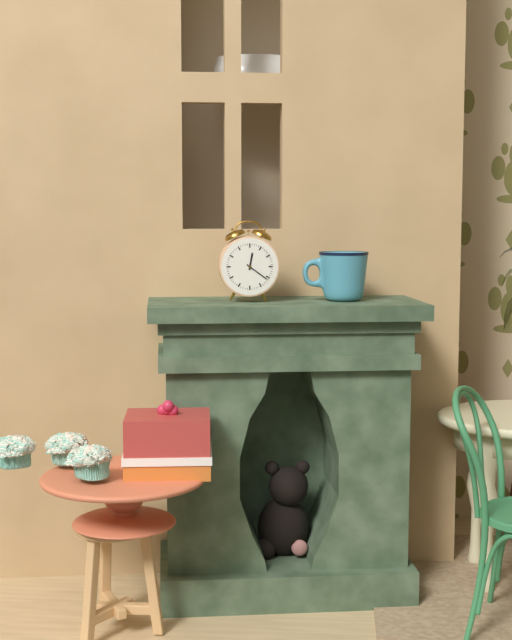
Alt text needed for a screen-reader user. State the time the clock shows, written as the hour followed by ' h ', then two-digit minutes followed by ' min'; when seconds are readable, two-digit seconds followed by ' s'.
12 h 21 min
